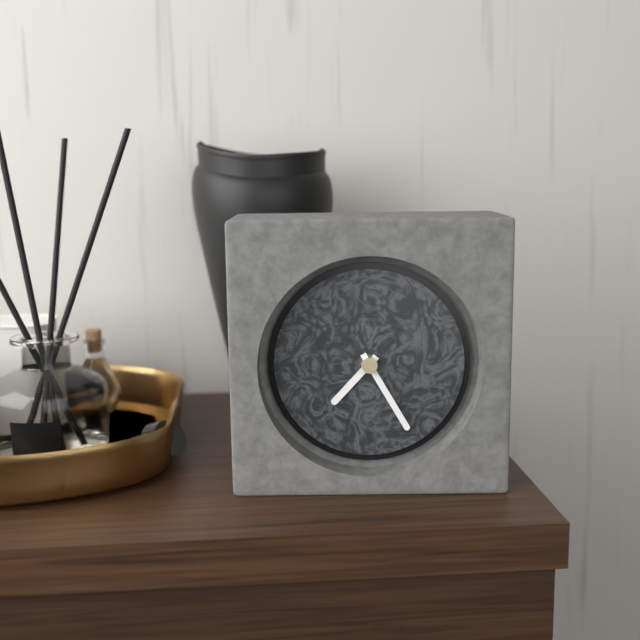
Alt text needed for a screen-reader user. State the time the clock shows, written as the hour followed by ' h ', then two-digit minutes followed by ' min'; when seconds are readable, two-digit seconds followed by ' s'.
7 h 25 min
